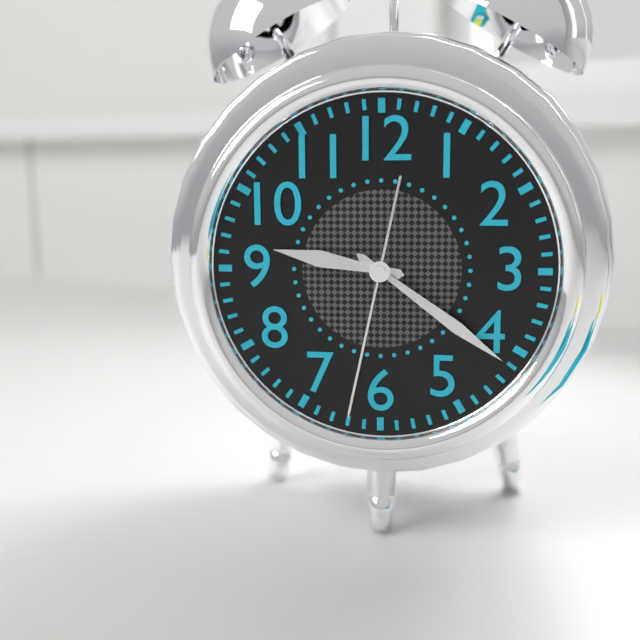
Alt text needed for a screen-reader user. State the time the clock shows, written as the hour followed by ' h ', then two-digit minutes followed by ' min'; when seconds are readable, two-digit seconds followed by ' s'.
9 h 21 min 32 s
